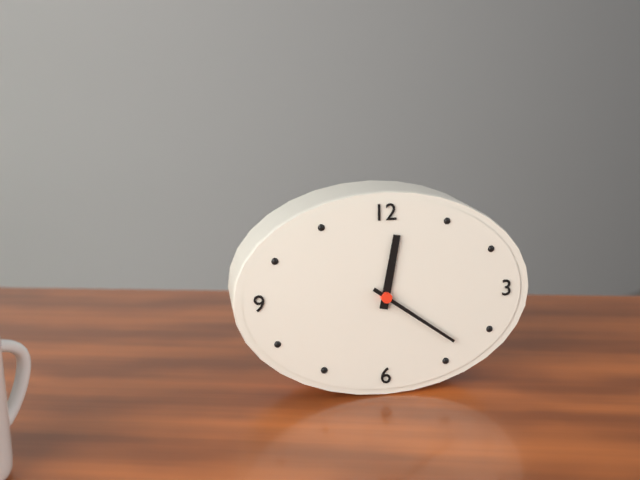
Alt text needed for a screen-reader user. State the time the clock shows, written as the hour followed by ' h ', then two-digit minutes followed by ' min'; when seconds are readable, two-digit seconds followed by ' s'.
12 h 21 min
